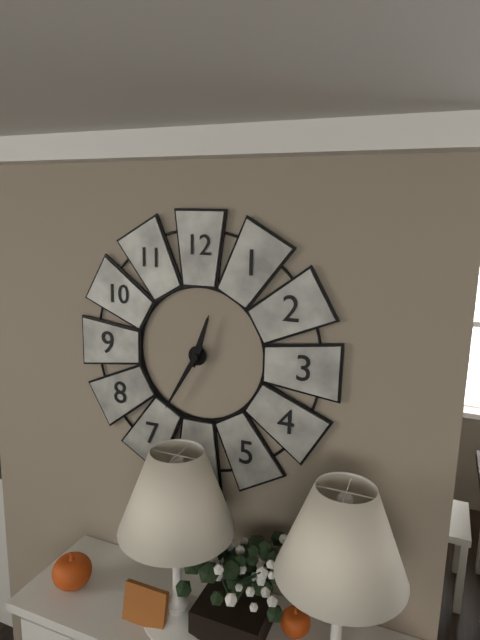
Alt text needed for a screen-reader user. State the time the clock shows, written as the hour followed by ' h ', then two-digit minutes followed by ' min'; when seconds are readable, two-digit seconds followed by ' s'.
12 h 35 min
